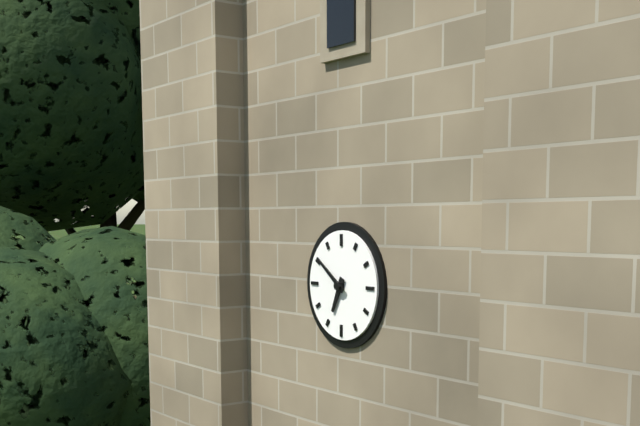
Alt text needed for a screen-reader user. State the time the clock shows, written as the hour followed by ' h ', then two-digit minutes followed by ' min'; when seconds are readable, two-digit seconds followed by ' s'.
6 h 51 min
